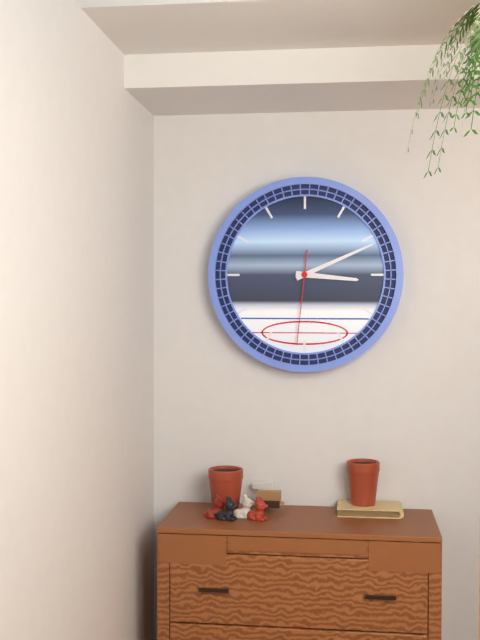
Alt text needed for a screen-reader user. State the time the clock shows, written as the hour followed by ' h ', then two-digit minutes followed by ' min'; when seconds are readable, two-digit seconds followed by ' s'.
3 h 11 min 31 s
